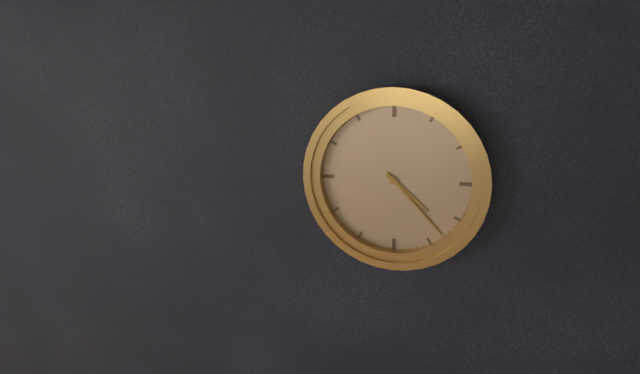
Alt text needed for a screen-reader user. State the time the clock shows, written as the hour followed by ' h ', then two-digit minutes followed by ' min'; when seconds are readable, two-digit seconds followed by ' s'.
4 h 23 min
